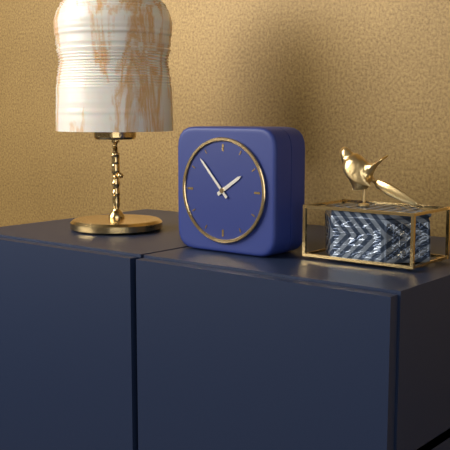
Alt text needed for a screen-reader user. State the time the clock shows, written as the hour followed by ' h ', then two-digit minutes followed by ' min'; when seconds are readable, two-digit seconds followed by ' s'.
1 h 53 min
